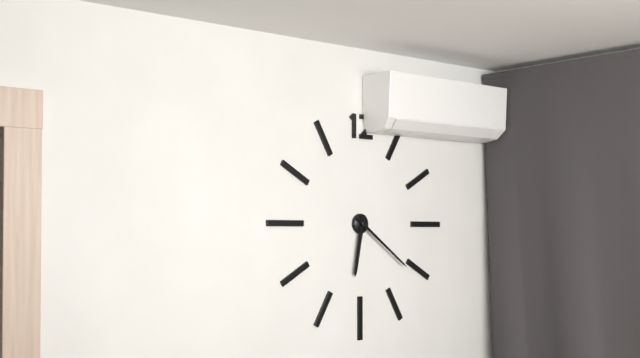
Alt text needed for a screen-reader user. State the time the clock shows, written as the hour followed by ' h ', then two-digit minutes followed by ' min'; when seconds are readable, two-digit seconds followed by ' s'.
6 h 21 min
